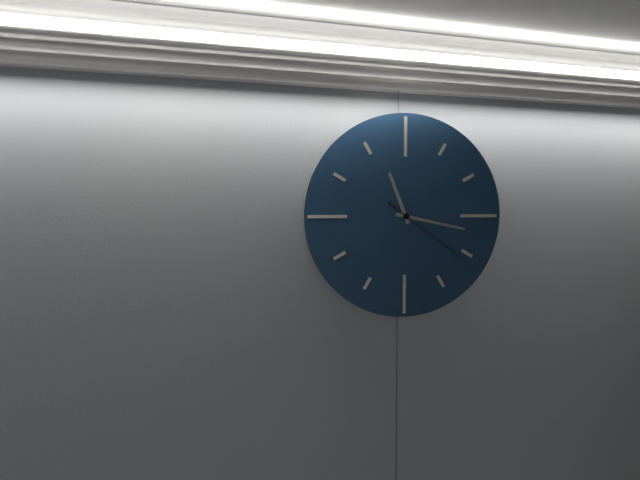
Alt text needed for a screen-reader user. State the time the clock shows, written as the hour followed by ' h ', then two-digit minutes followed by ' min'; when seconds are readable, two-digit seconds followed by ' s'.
11 h 17 min 21 s
